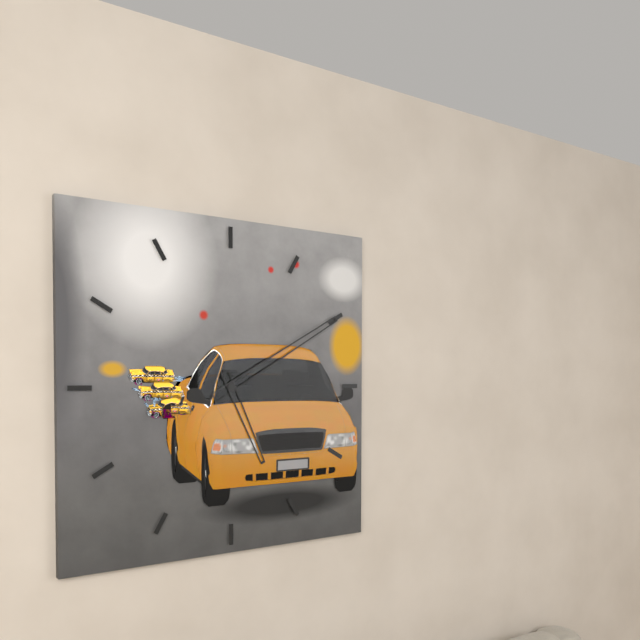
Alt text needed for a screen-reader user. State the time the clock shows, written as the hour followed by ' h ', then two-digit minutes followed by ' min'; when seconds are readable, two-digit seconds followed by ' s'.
5 h 10 min
